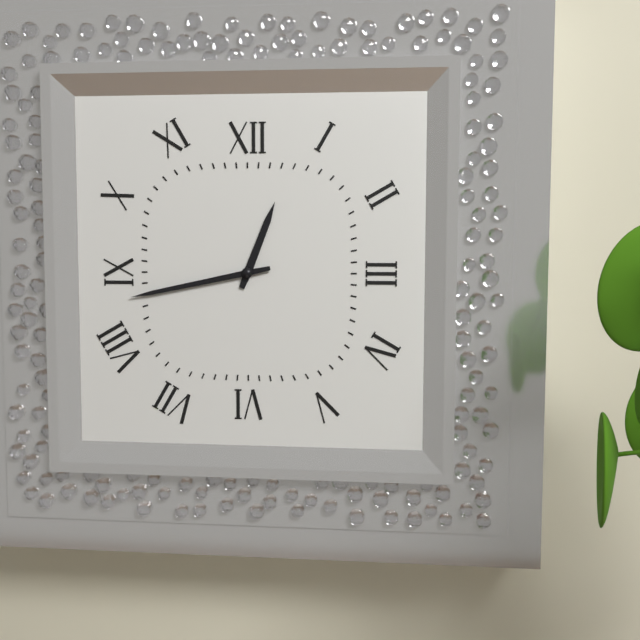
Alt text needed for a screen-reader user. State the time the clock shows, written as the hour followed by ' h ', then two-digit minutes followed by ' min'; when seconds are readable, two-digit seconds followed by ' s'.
12 h 43 min
